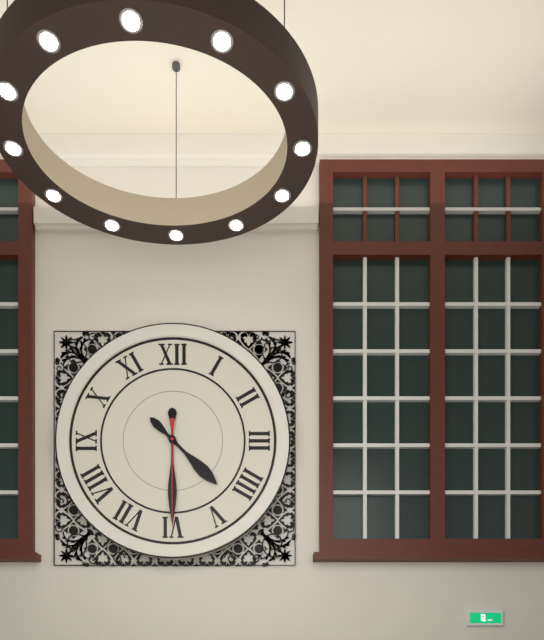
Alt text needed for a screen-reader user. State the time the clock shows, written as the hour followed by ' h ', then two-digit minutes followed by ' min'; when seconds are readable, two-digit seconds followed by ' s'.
4 h 30 min 30 s
